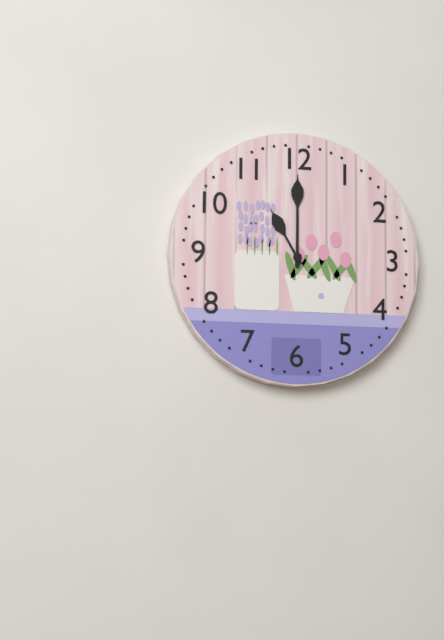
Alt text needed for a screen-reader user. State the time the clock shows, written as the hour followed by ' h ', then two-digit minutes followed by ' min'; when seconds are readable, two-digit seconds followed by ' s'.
11 h 00 min
